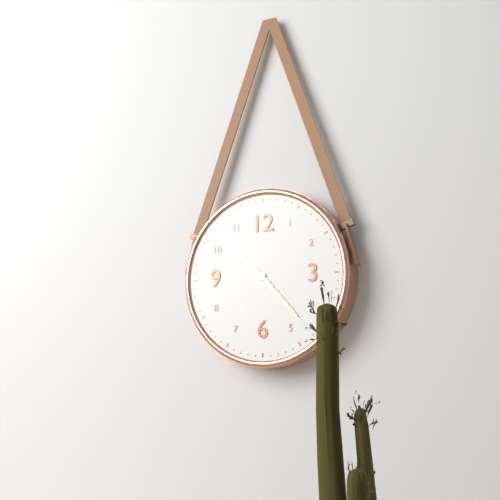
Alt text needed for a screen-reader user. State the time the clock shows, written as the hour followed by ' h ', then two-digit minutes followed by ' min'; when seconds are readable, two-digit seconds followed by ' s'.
10 h 23 min
